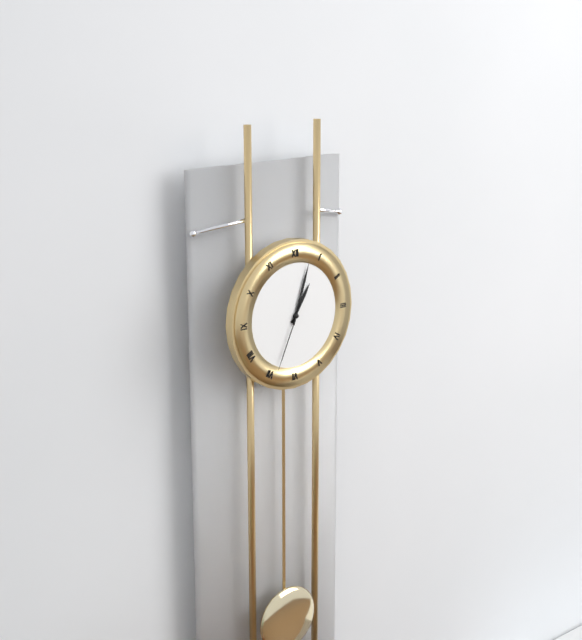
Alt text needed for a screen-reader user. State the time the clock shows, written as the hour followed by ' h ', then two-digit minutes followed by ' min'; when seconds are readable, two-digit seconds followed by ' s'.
1 h 03 min 34 s
